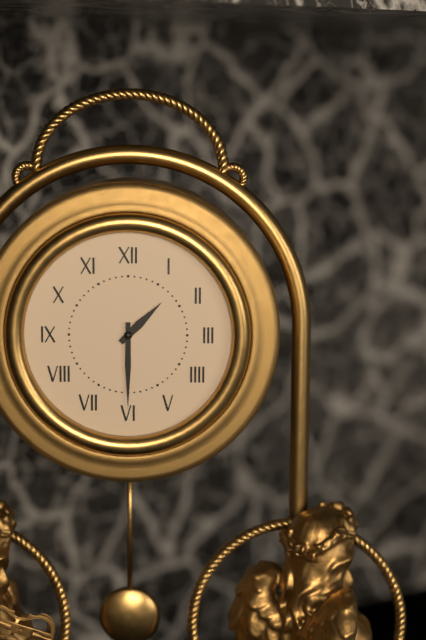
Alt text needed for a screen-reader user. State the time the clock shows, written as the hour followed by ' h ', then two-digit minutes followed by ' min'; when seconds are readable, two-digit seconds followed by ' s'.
1 h 30 min
